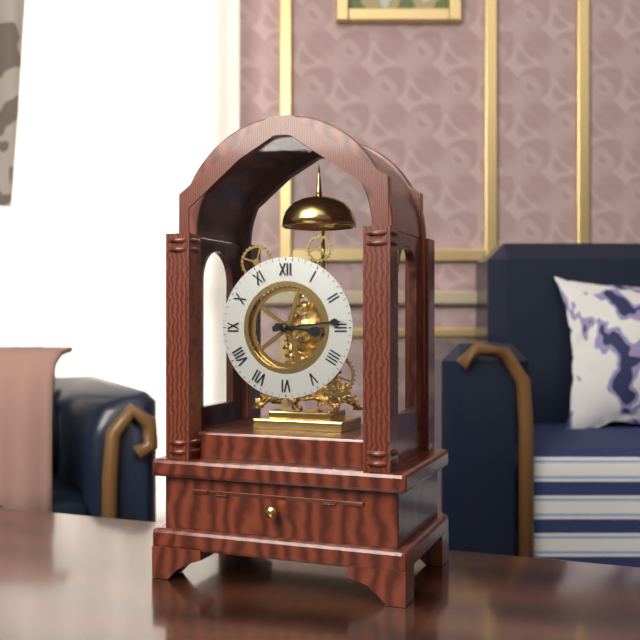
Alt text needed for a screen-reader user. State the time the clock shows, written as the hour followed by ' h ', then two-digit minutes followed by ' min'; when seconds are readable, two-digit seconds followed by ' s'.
3 h 14 min
